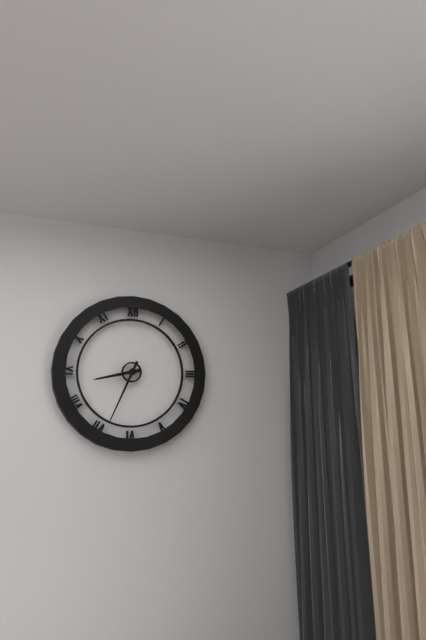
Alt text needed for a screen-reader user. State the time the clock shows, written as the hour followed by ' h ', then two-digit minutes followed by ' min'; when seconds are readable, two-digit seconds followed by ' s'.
8 h 34 min
